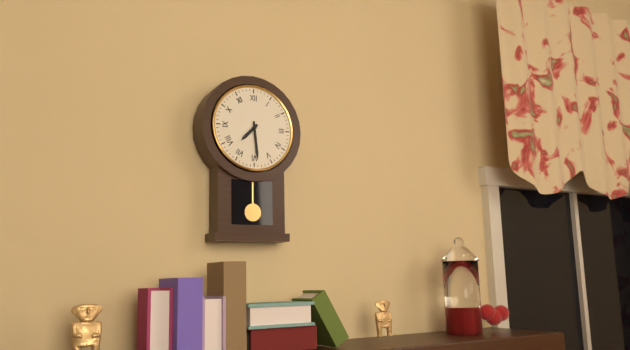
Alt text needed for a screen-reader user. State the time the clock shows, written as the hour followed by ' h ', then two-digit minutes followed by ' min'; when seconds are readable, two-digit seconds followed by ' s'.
7 h 29 min
